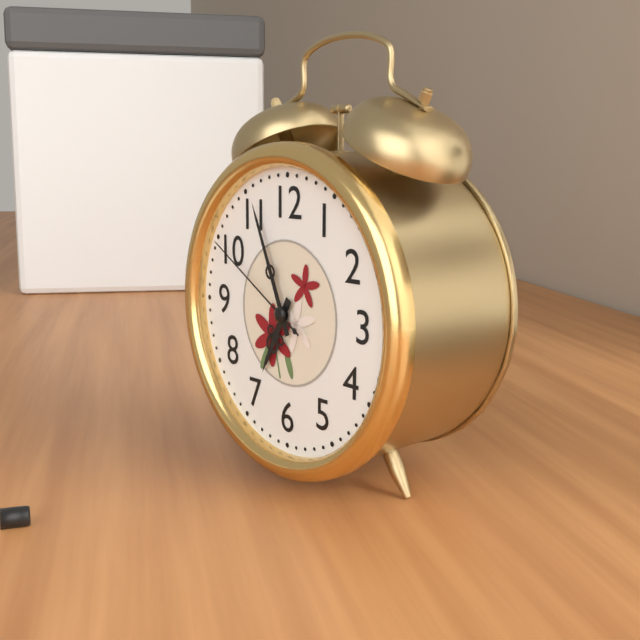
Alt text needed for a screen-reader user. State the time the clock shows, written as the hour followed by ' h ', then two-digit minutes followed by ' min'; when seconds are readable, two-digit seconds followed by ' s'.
6 h 56 min 50 s
